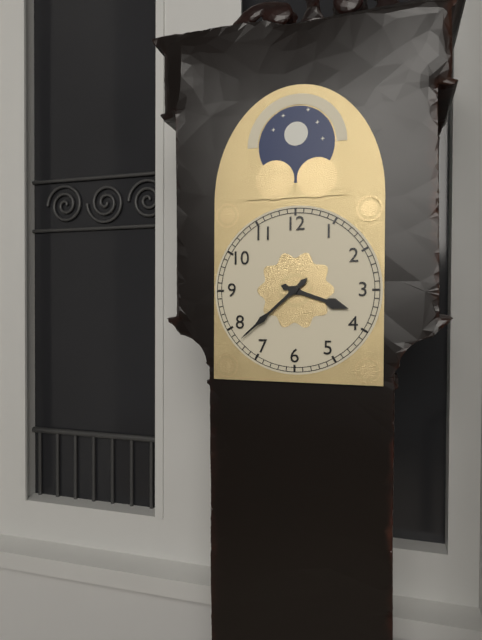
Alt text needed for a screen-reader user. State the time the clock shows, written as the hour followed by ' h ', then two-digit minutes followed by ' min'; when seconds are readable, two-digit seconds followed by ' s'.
3 h 38 min
